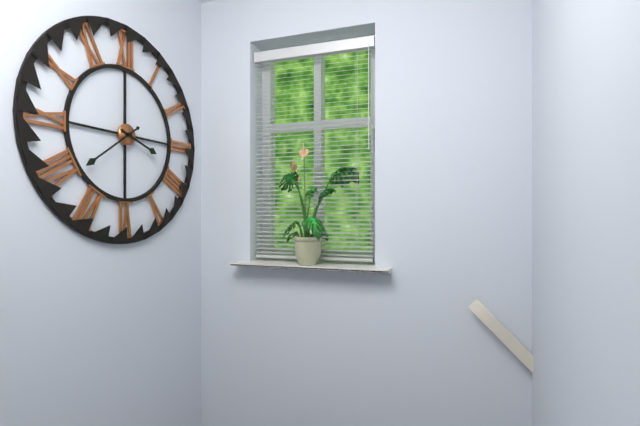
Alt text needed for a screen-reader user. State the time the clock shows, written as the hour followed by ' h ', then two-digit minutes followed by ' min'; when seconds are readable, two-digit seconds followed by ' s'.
3 h 39 min
